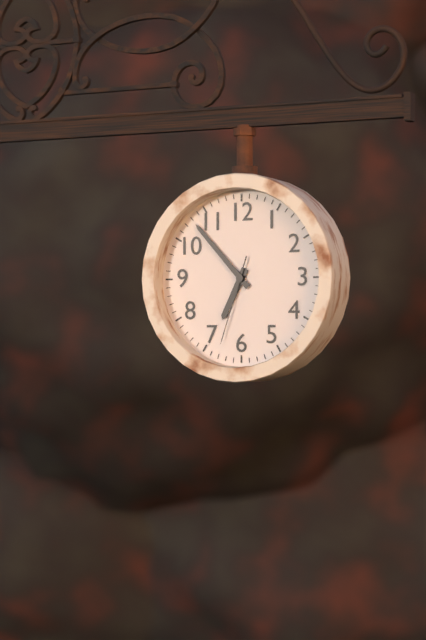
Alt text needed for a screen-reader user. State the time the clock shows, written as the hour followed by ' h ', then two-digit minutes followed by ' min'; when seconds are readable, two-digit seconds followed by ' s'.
6 h 53 min 33 s
